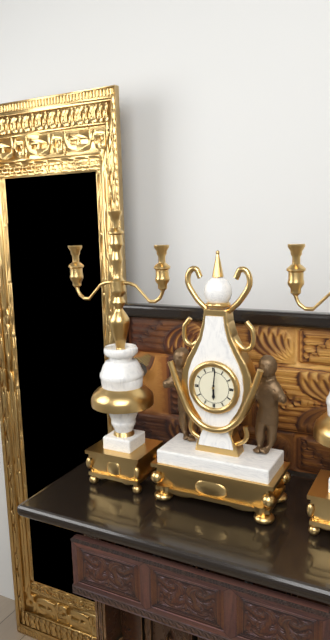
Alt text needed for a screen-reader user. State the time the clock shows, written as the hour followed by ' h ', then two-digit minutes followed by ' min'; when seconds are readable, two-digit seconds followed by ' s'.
6 h 01 min
